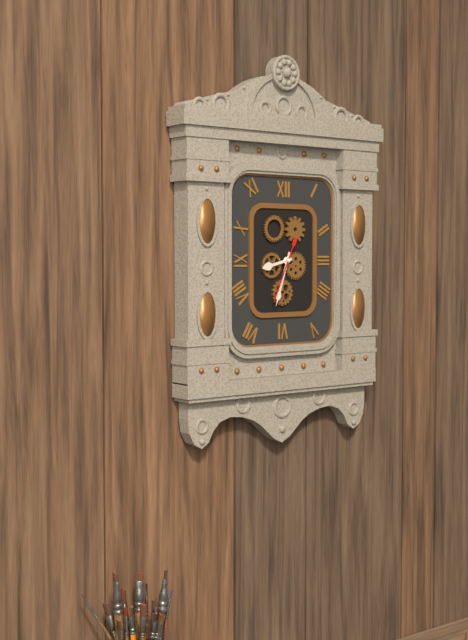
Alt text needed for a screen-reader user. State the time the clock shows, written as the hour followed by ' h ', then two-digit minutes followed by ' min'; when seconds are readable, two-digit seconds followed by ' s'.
8 h 33 min 34 s
